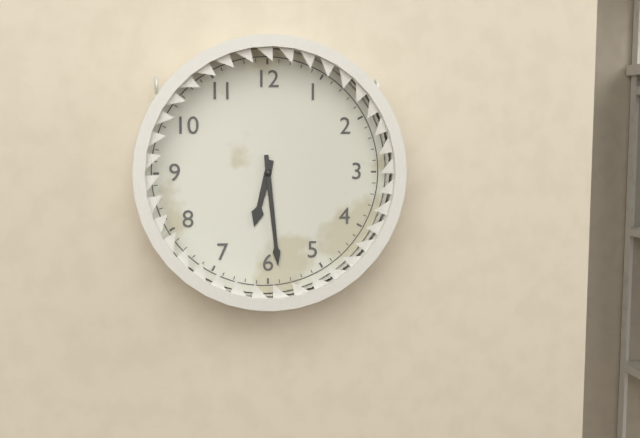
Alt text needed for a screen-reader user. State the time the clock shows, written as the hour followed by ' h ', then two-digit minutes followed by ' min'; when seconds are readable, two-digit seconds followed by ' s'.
6 h 29 min
